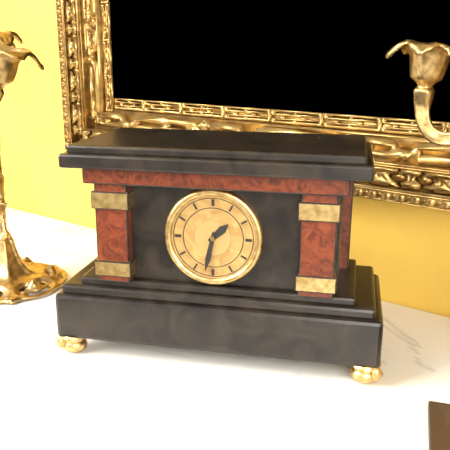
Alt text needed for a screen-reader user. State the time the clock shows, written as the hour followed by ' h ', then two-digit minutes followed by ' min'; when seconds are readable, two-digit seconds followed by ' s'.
1 h 32 min
